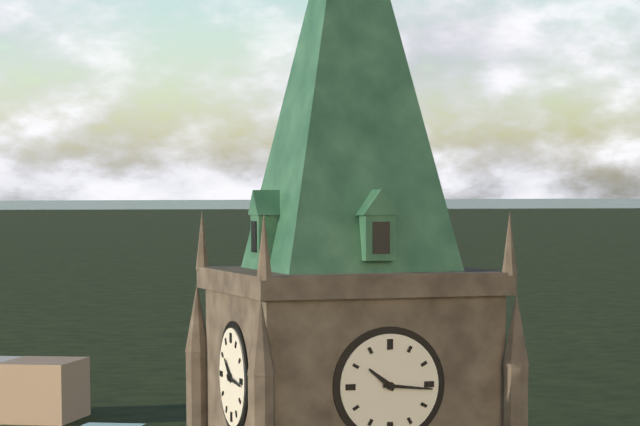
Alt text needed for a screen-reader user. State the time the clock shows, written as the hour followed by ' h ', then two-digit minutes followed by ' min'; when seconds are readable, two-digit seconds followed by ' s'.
10 h 16 min
